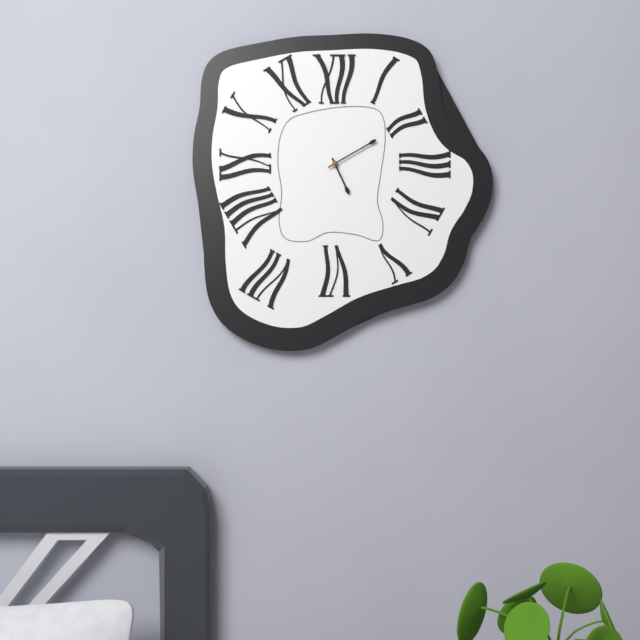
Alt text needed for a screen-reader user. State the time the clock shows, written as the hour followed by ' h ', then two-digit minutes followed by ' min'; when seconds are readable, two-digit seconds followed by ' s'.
5 h 10 min
